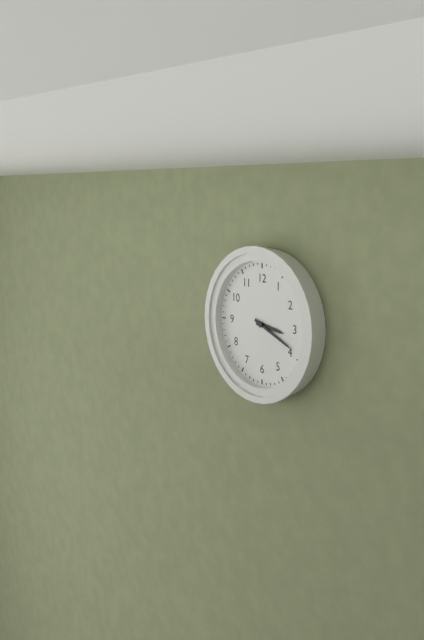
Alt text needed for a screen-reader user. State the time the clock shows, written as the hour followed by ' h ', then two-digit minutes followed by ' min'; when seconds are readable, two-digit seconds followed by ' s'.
3 h 19 min
